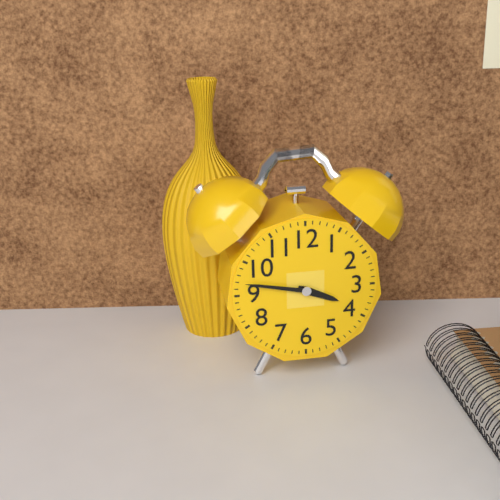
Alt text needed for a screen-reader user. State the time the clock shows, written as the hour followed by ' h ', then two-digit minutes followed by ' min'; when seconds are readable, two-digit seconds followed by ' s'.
3 h 47 min
